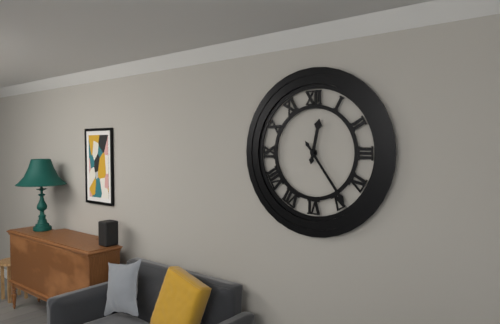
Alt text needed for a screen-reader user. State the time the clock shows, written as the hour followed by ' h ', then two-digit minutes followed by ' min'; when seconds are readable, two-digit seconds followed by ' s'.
12 h 24 min
